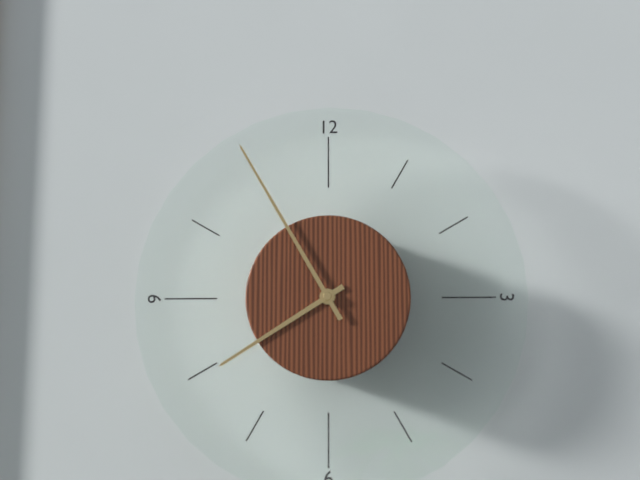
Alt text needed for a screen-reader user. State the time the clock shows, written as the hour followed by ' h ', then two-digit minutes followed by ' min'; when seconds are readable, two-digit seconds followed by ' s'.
7 h 55 min
